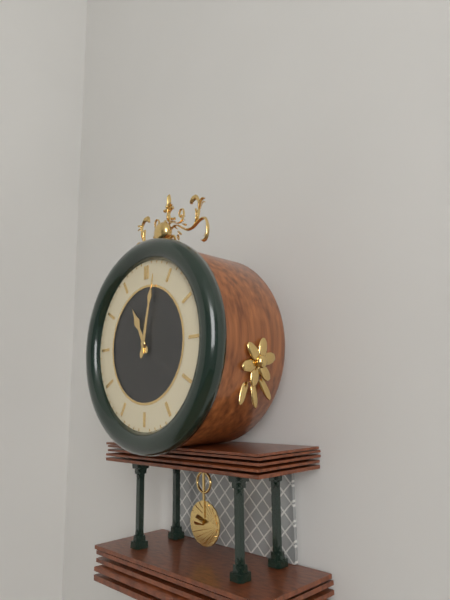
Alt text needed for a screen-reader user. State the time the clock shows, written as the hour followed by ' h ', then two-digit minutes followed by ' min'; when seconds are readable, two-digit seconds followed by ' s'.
11 h 02 min
